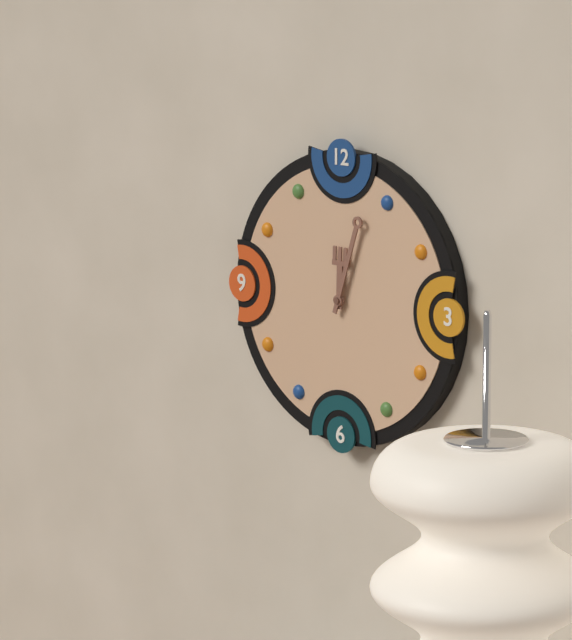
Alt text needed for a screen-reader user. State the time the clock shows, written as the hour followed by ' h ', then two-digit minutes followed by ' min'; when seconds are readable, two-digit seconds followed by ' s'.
12 h 03 min
